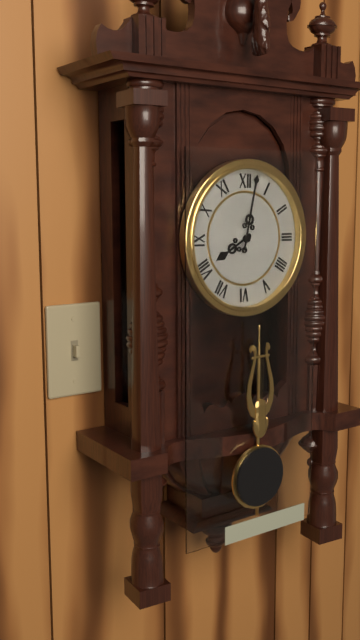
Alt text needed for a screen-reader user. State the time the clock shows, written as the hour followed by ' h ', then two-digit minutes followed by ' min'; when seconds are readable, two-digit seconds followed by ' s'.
8 h 02 min
